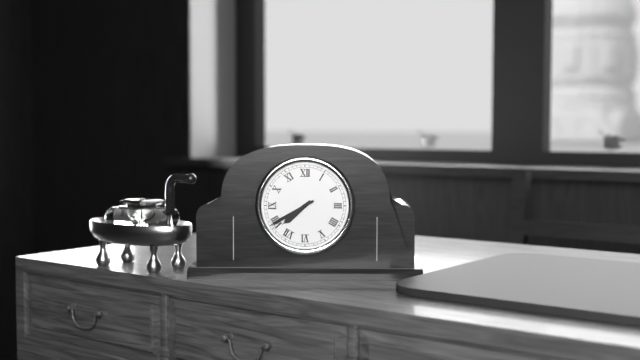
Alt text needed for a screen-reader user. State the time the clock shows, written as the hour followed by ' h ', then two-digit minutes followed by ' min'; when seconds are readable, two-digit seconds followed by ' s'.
7 h 40 min
